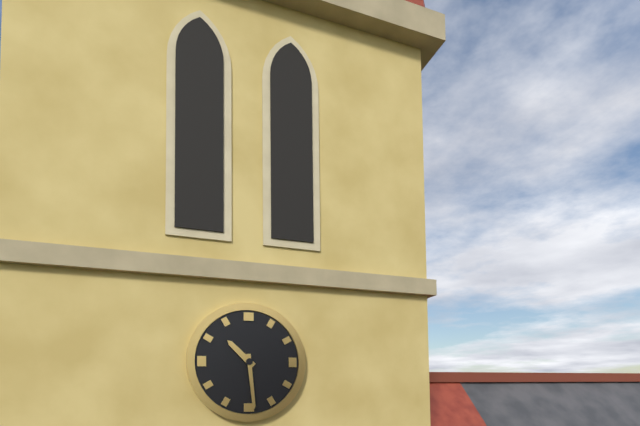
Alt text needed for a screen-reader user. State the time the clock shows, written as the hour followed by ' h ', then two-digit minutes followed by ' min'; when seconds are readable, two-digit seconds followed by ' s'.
10 h 29 min
